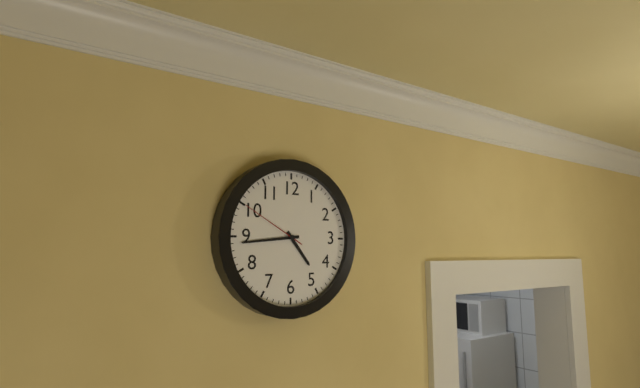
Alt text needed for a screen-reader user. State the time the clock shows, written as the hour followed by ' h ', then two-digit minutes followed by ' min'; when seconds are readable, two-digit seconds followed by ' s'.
4 h 44 min 50 s
